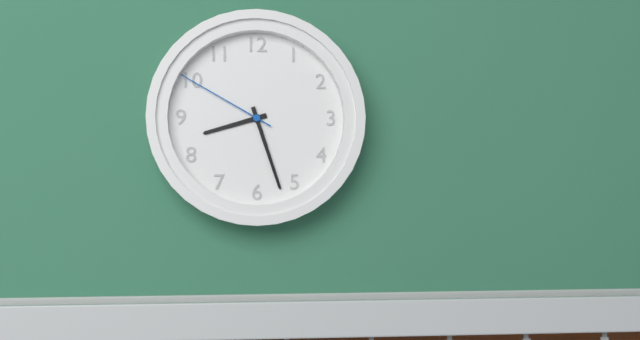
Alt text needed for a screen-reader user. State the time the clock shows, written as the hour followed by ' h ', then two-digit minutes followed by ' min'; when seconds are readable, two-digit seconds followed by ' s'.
8 h 27 min 50 s
